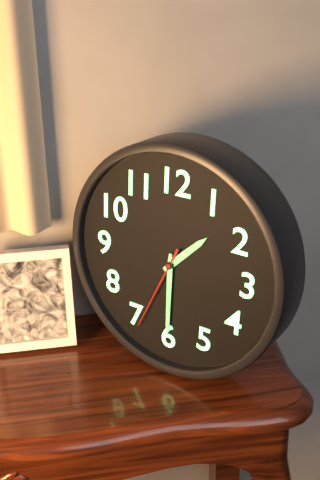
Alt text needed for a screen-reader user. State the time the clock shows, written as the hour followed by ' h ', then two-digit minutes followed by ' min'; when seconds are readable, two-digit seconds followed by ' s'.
1 h 30 min 34 s
